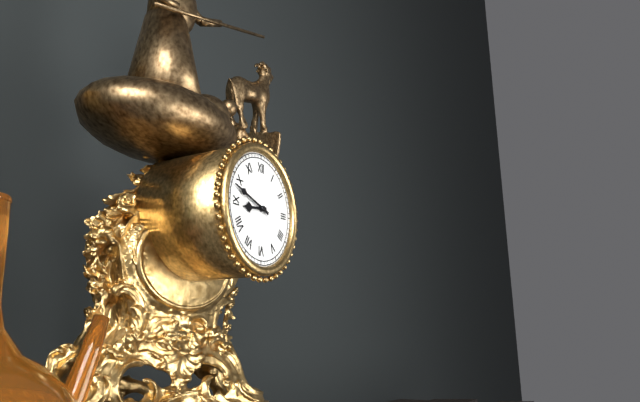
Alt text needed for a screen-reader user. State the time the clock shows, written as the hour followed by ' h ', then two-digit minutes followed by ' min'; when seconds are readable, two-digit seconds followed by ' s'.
8 h 48 min
